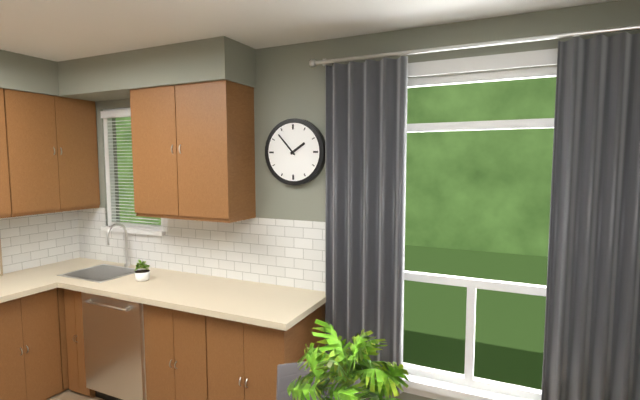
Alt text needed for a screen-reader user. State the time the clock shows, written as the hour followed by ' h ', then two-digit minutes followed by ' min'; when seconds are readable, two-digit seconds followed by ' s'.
1 h 53 min
